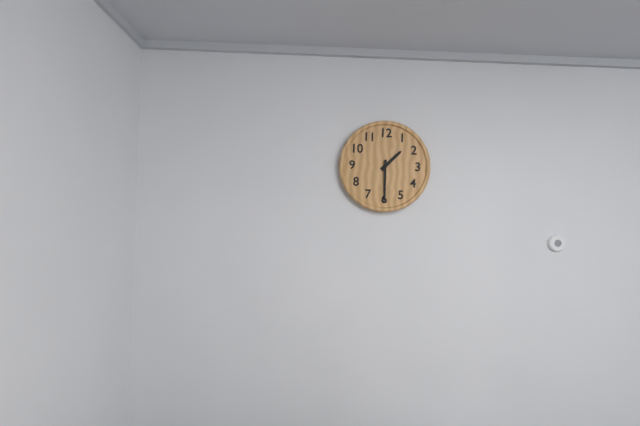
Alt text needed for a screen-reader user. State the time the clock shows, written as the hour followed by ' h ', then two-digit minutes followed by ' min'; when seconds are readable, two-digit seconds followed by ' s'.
1 h 30 min
